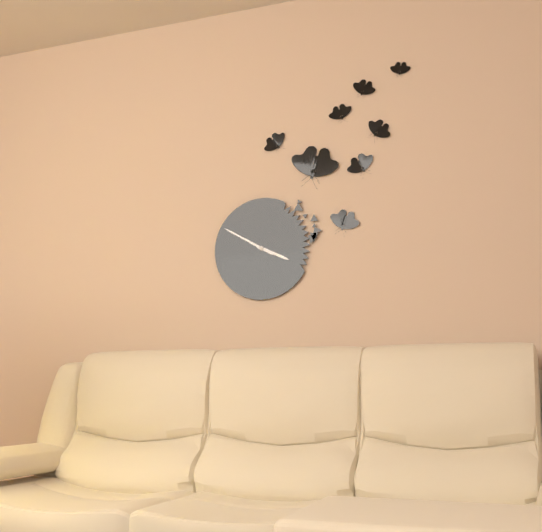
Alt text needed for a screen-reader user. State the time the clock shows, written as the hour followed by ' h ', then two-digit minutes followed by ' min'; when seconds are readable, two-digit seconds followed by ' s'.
3 h 50 min
